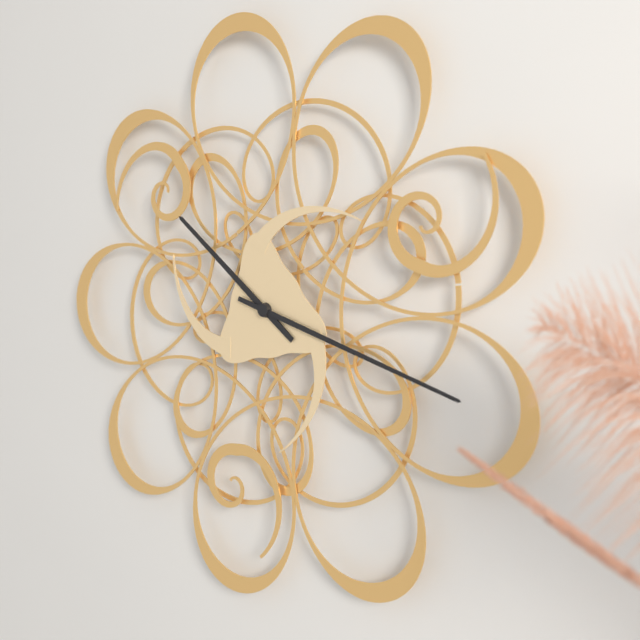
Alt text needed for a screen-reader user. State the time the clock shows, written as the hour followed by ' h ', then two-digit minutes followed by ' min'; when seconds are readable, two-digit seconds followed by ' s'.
10 h 18 min
